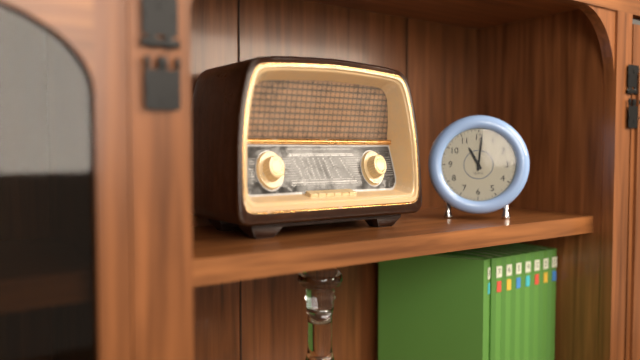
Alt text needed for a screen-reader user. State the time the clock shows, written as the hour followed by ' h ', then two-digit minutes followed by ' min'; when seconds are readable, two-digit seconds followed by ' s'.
11 h 01 min
